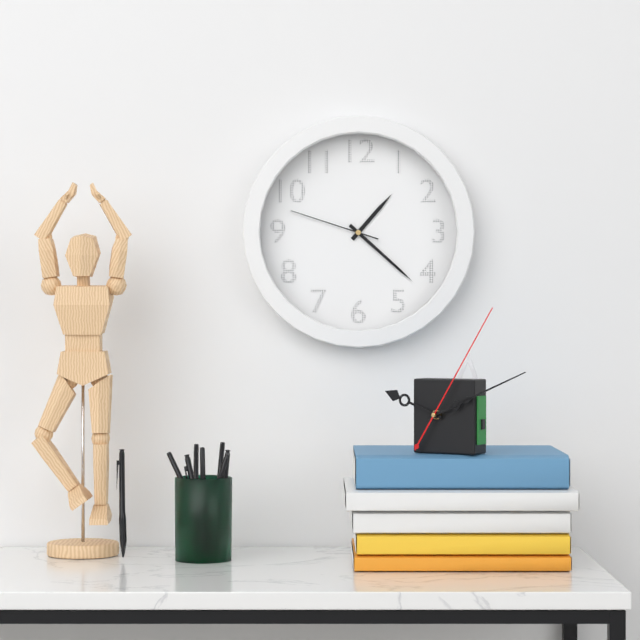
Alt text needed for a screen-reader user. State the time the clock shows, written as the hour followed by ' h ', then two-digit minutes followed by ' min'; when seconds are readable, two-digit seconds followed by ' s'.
1 h 22 min 48 s
